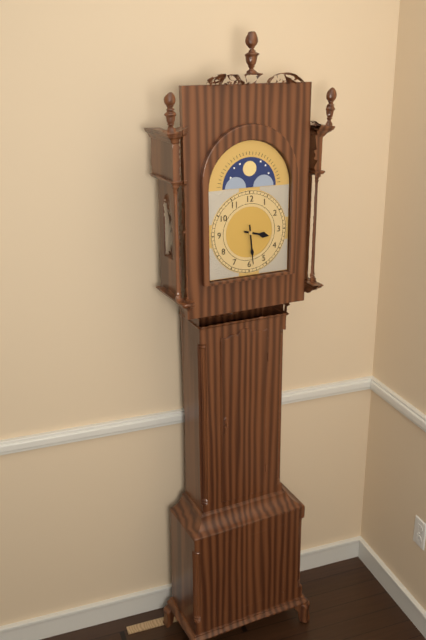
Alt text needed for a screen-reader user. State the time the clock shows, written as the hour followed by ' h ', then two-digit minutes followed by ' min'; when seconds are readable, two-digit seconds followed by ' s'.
3 h 29 min
